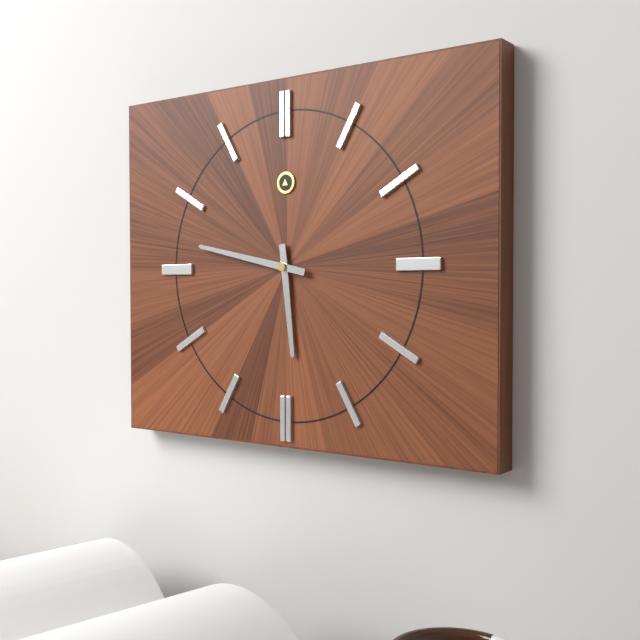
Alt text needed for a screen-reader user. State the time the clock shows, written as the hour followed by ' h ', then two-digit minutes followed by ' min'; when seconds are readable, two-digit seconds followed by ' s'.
5 h 47 min
